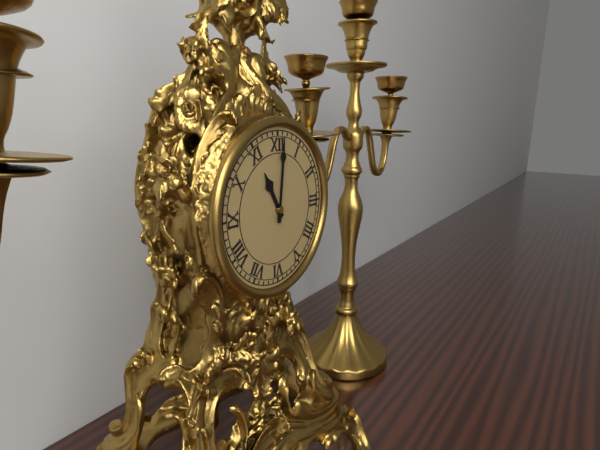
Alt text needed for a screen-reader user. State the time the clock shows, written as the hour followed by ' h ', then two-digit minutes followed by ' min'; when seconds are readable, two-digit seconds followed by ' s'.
11 h 01 min
